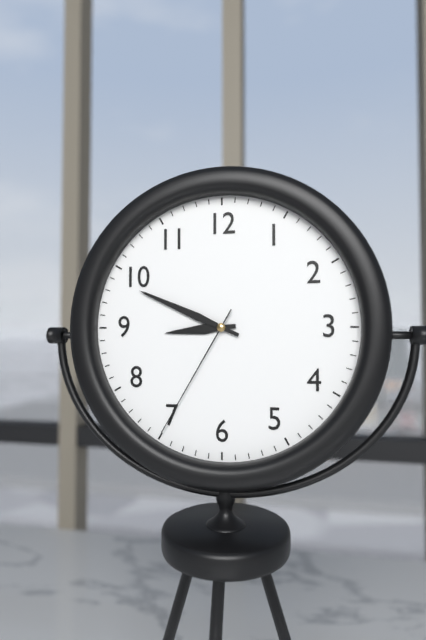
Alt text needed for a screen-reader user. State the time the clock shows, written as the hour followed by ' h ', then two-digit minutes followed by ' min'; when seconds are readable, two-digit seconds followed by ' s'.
8 h 49 min 35 s
